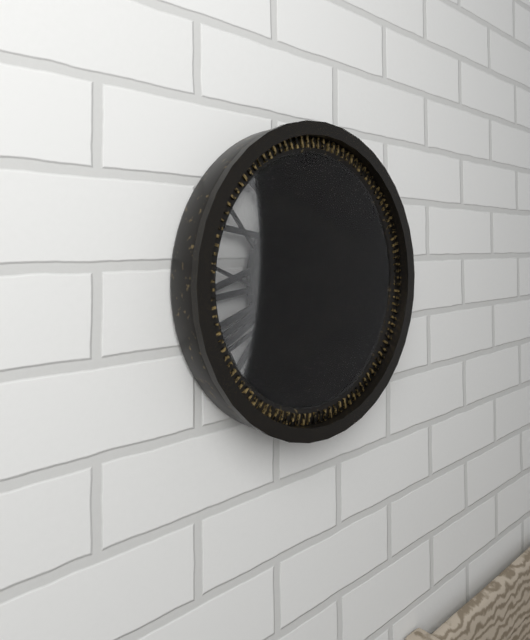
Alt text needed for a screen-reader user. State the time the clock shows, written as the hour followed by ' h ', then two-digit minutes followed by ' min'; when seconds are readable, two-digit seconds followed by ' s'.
12 h 26 min
